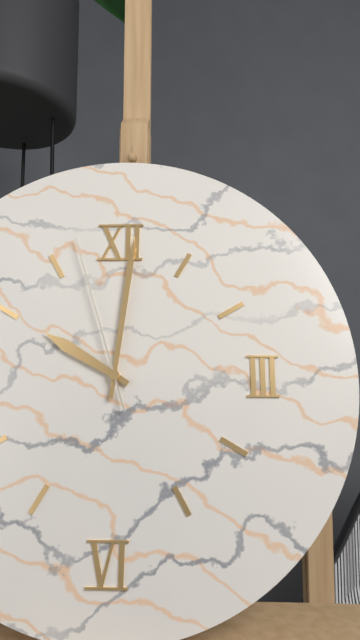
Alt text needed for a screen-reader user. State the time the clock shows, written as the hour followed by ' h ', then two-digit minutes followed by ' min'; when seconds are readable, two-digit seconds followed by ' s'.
10 h 01 min 57 s
